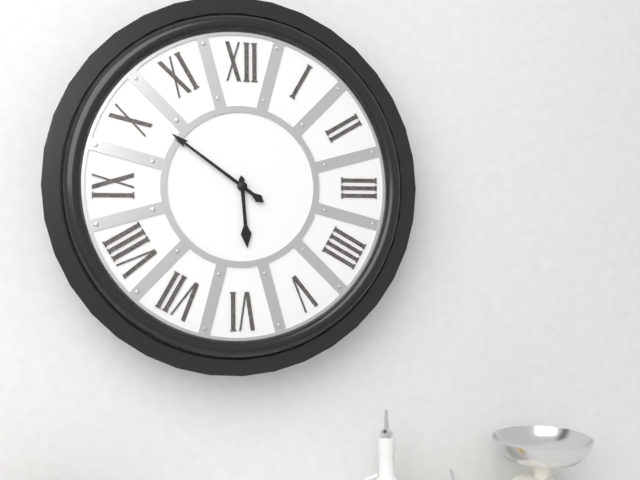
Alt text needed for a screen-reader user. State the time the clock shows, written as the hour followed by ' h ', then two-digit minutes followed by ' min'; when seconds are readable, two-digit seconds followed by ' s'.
5 h 51 min
